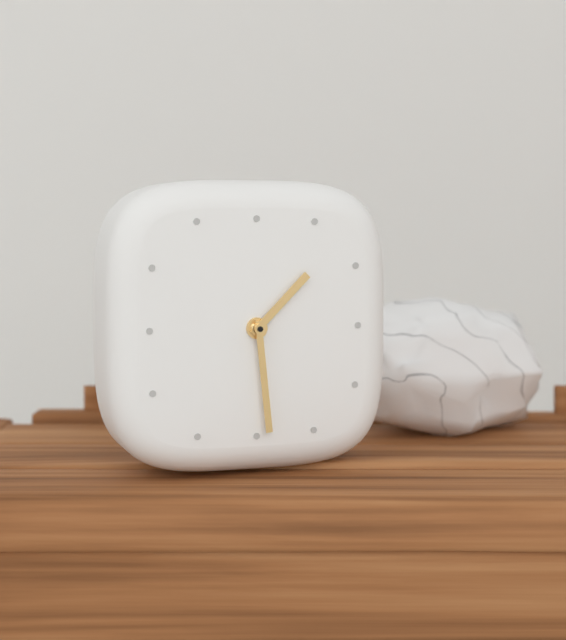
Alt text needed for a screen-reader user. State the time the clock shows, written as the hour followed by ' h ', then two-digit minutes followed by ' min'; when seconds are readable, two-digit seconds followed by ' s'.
1 h 29 min
